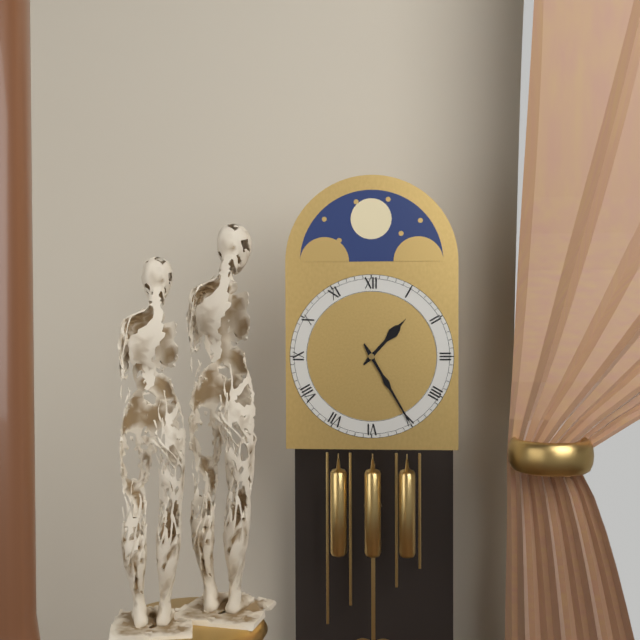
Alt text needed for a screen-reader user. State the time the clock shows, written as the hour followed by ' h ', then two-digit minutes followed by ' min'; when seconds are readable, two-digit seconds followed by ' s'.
1 h 25 min
